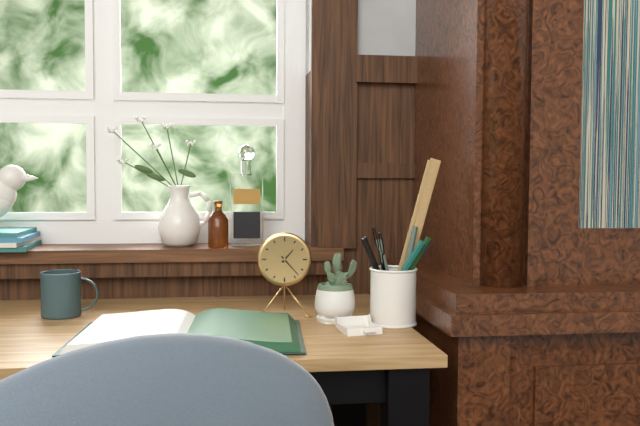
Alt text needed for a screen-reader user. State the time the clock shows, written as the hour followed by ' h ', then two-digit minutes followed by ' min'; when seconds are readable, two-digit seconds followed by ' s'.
1 h 23 min
